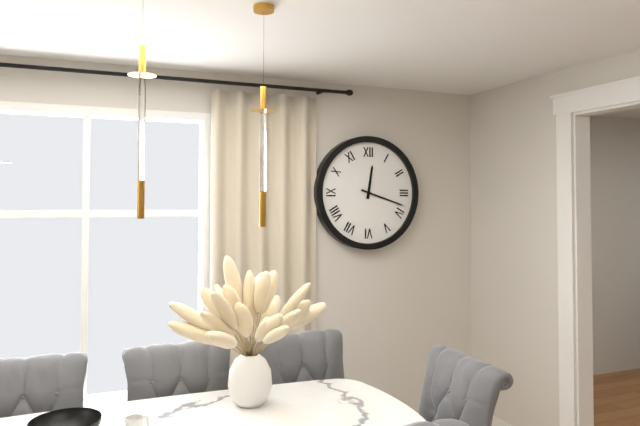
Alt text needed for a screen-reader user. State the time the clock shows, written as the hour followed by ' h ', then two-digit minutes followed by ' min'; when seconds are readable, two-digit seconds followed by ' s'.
12 h 18 min
